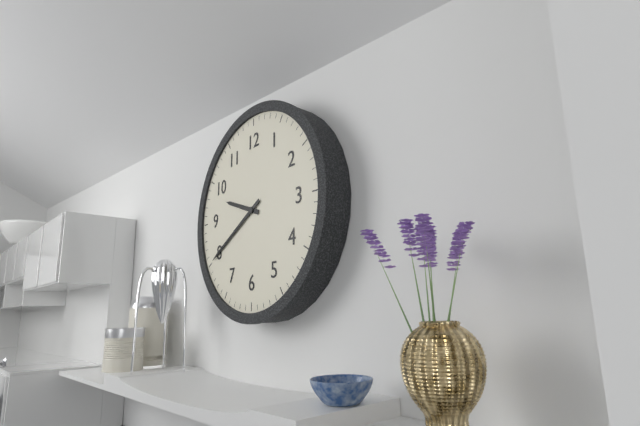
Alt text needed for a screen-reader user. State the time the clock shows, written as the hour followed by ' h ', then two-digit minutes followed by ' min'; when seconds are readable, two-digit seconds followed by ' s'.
9 h 40 min
